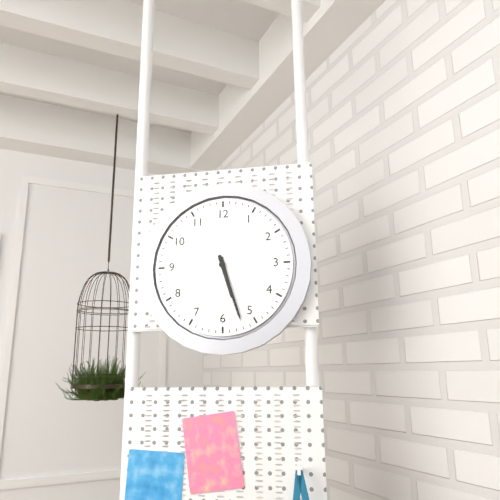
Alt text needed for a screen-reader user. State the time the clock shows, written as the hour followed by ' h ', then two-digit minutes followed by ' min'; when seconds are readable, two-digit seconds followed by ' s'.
5 h 27 min
